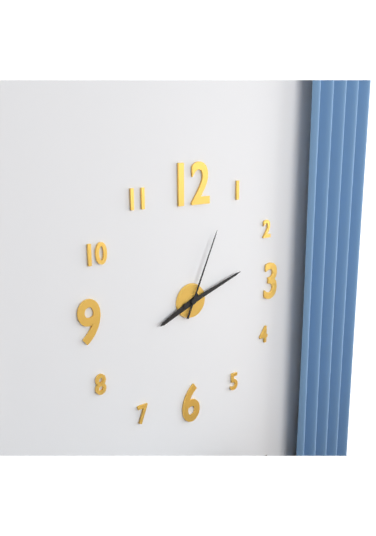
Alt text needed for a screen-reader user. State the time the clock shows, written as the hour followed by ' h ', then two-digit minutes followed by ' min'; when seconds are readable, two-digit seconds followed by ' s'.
8 h 12 min 04 s
